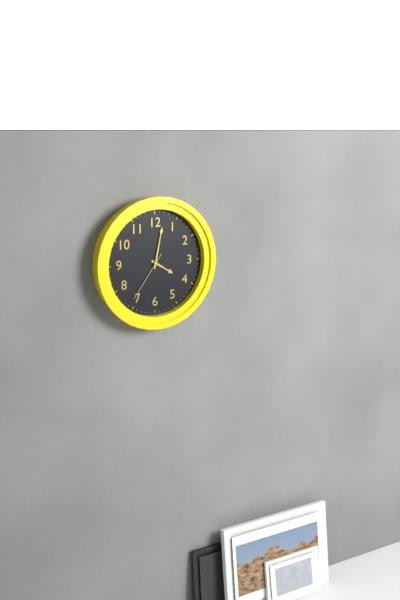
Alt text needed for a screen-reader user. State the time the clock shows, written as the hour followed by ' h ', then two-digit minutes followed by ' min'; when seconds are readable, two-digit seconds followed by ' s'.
4 h 02 min 36 s
